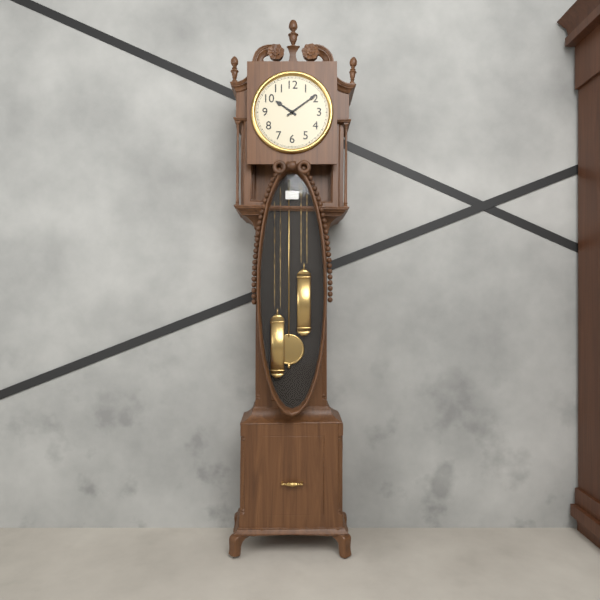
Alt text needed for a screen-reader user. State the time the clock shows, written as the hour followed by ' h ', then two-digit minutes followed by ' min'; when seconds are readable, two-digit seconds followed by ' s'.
10 h 09 min
